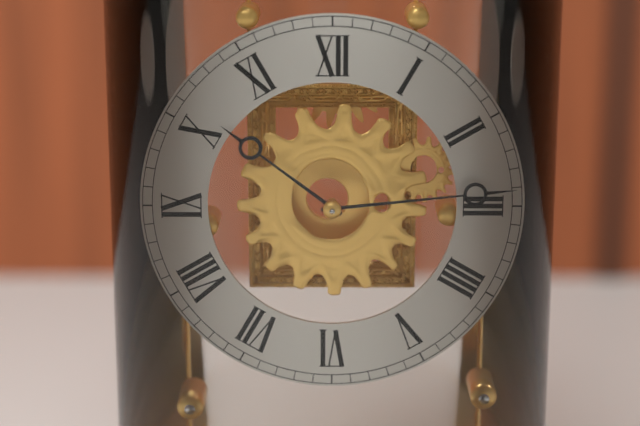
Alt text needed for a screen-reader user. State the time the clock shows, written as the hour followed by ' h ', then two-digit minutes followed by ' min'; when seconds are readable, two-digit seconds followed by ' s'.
10 h 14 min
